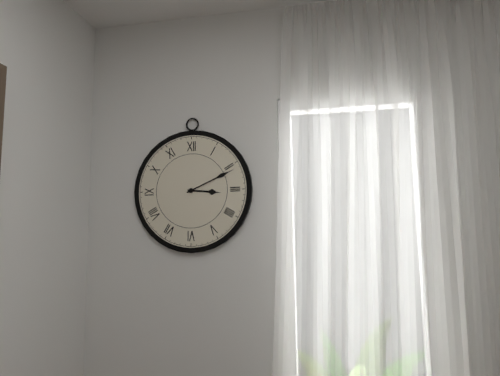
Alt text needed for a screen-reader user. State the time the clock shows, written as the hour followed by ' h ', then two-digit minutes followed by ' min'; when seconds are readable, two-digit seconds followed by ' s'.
3 h 11 min
